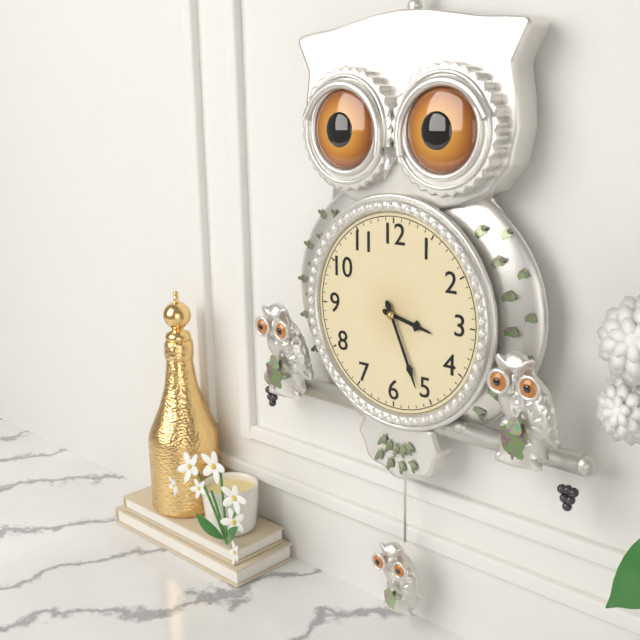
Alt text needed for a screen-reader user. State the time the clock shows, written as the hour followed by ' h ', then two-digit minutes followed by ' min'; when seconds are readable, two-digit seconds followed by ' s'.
3 h 26 min
